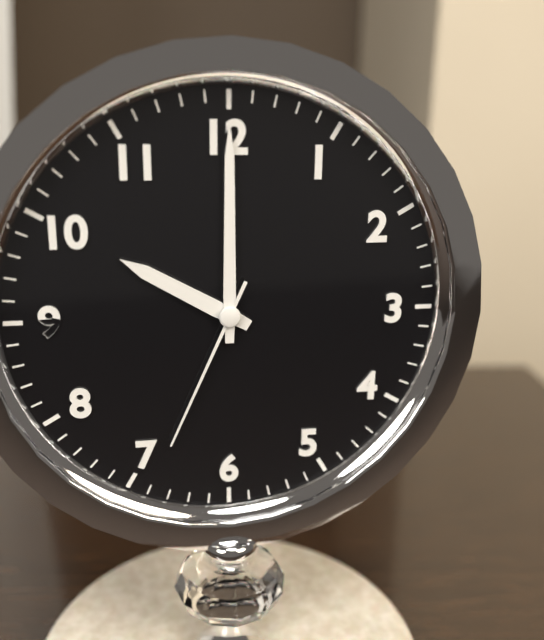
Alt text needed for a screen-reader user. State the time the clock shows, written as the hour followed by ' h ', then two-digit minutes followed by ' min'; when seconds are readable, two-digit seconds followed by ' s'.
10 h 00 min 34 s
